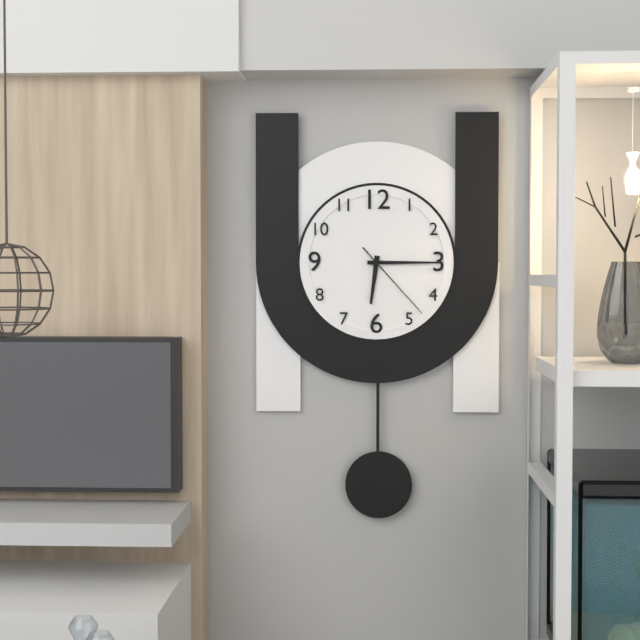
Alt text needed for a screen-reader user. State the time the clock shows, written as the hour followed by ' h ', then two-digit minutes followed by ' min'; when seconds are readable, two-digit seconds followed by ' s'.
6 h 15 min 23 s
